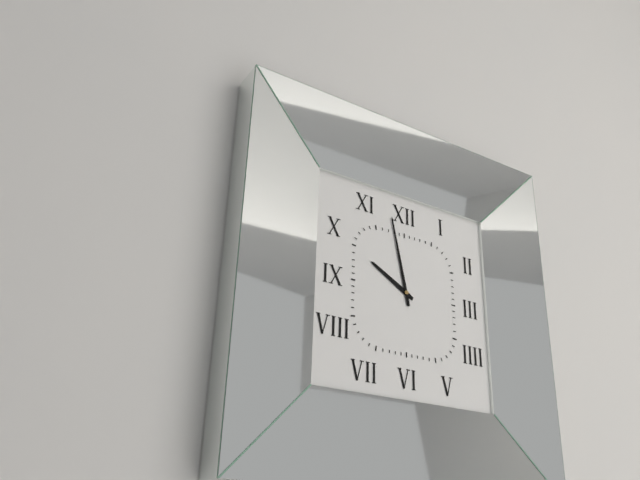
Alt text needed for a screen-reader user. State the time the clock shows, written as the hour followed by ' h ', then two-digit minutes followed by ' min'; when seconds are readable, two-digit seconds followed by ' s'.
9 h 58 min
